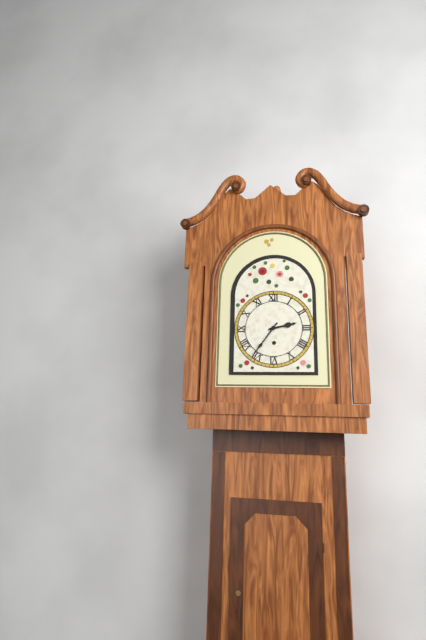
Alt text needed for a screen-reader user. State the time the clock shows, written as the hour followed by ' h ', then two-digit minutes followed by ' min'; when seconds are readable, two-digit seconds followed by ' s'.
2 h 36 min
